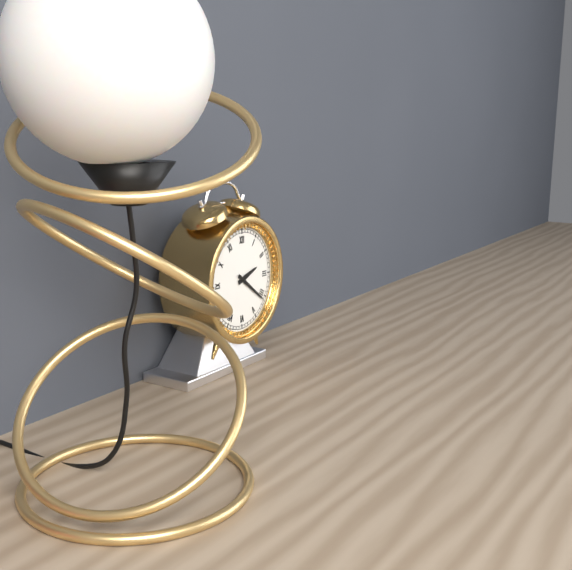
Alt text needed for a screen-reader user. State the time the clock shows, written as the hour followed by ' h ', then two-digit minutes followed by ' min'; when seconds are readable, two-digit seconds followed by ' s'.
2 h 21 min
